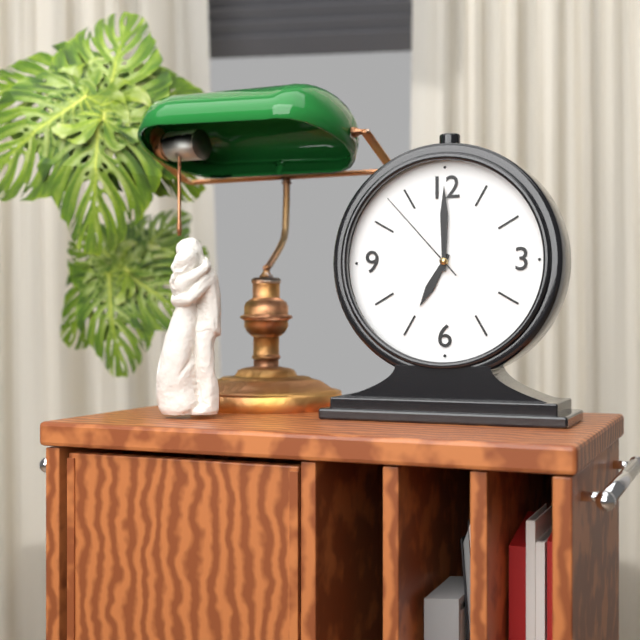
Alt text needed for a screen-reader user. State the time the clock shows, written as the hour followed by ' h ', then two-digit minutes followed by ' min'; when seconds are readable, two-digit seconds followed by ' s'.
7 h 00 min 53 s
